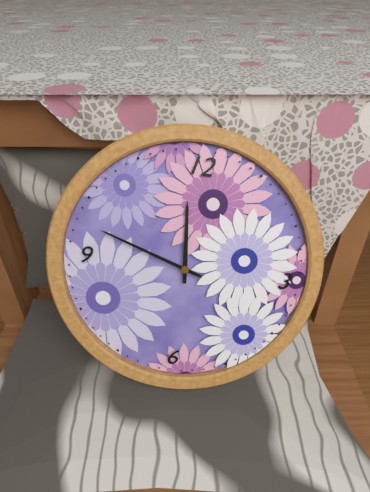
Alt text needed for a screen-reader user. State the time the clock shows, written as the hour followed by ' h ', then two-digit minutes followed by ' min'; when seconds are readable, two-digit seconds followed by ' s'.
11 h 48 min
